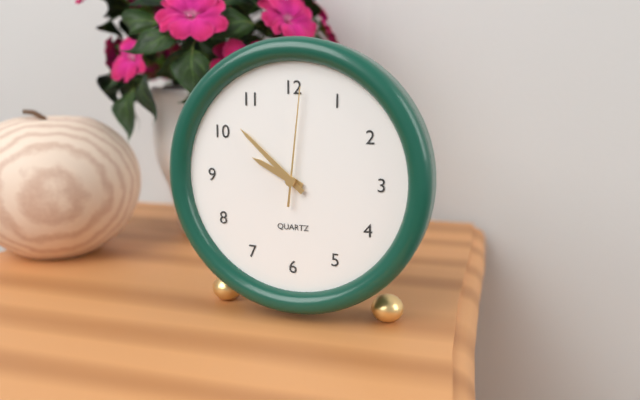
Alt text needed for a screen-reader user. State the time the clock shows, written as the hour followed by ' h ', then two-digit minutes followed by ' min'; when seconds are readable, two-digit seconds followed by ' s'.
9 h 52 min 01 s
